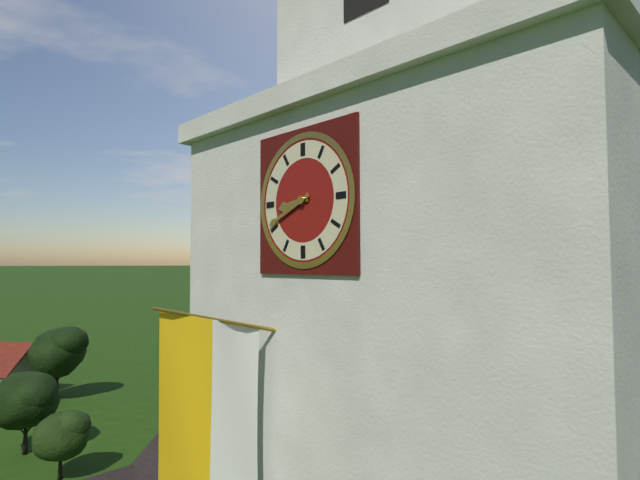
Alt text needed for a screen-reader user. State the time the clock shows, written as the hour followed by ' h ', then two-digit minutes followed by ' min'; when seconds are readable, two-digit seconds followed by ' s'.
8 h 41 min
